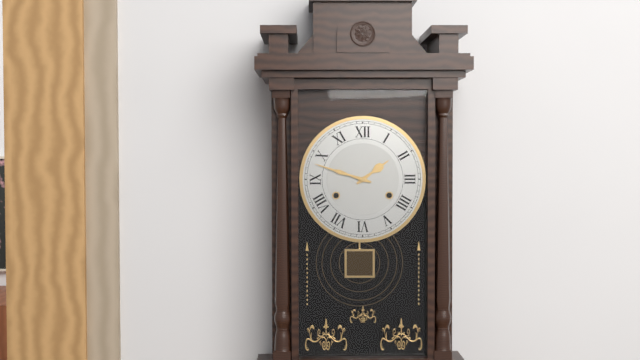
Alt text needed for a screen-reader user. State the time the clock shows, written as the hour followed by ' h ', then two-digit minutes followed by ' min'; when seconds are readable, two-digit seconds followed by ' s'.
1 h 48 min
